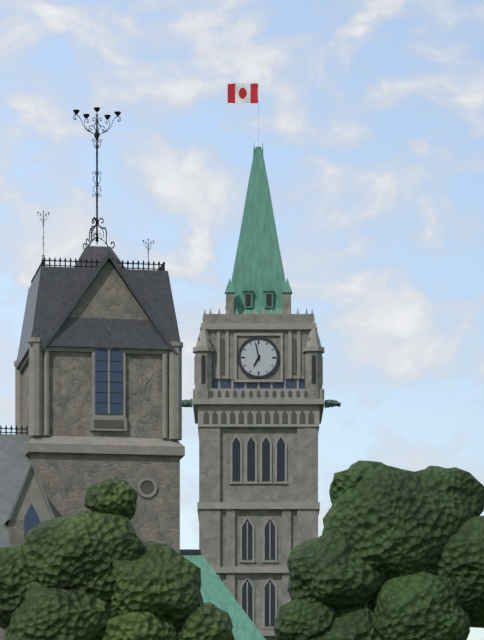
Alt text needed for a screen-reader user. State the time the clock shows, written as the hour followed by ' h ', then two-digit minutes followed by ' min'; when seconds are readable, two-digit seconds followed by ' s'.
6 h 58 min
